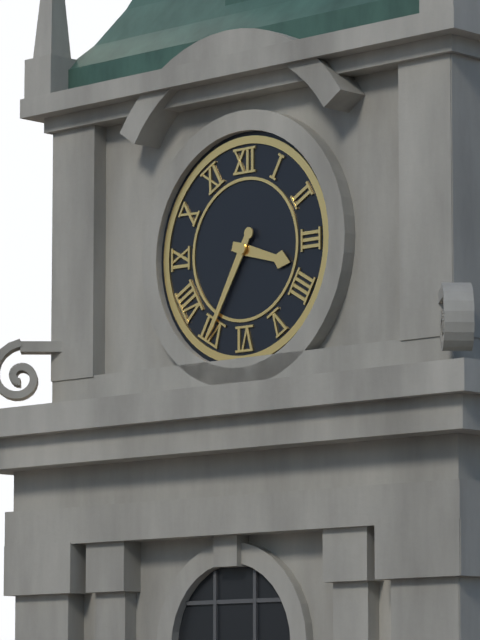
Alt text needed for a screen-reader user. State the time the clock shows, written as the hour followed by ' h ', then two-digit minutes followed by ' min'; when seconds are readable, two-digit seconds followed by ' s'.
3 h 35 min
